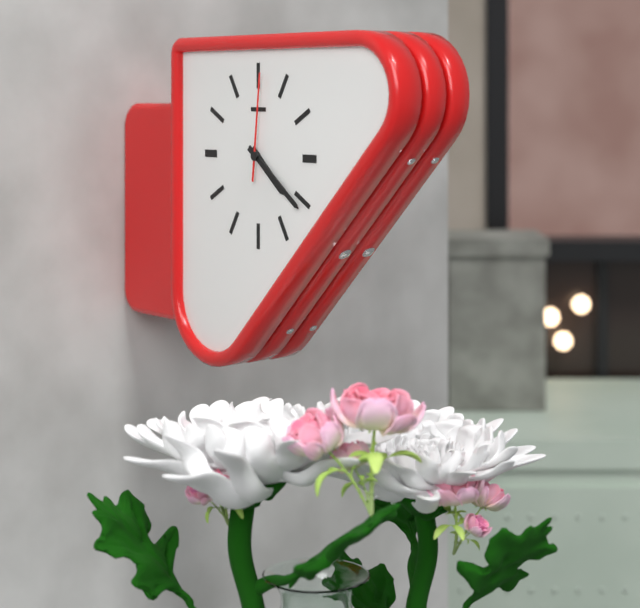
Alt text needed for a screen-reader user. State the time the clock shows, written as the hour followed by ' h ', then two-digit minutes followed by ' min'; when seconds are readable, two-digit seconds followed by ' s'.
4 h 21 min 01 s
